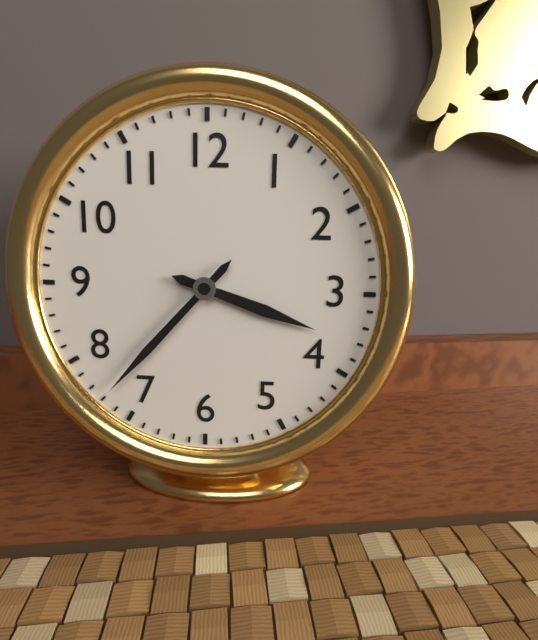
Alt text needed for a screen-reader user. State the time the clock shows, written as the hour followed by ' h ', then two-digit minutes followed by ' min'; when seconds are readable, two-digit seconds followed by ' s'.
3 h 37 min
